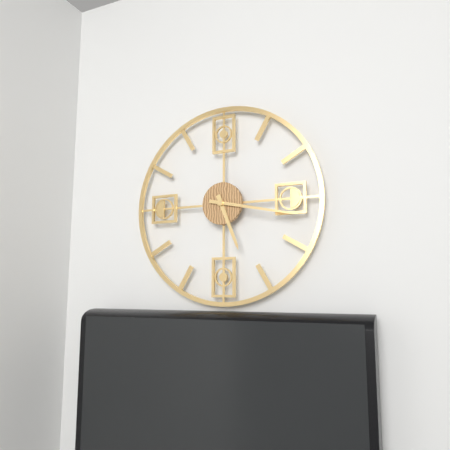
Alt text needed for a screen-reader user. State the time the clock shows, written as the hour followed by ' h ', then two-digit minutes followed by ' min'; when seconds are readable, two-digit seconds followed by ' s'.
5 h 17 min
